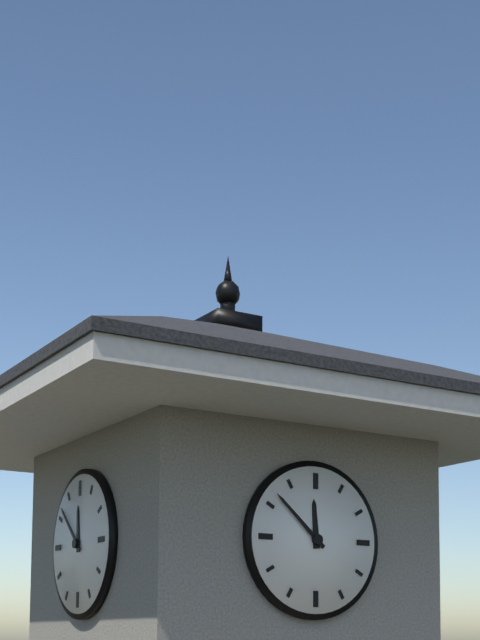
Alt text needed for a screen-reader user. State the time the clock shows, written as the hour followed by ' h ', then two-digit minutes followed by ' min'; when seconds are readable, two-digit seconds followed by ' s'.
11 h 52 min
